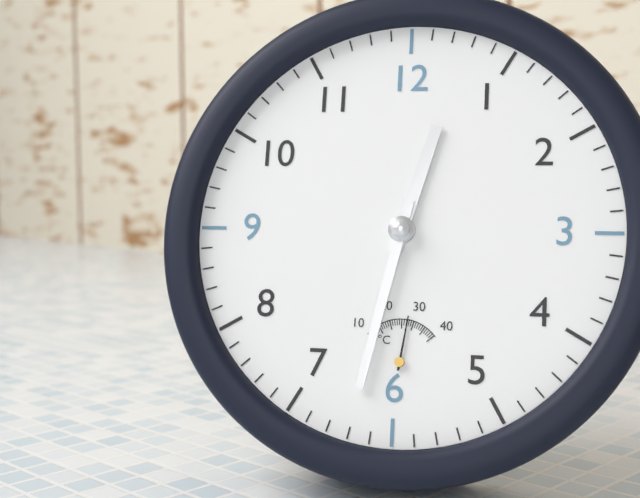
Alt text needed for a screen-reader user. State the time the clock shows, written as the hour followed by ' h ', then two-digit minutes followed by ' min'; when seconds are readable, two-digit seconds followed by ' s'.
12 h 32 min
